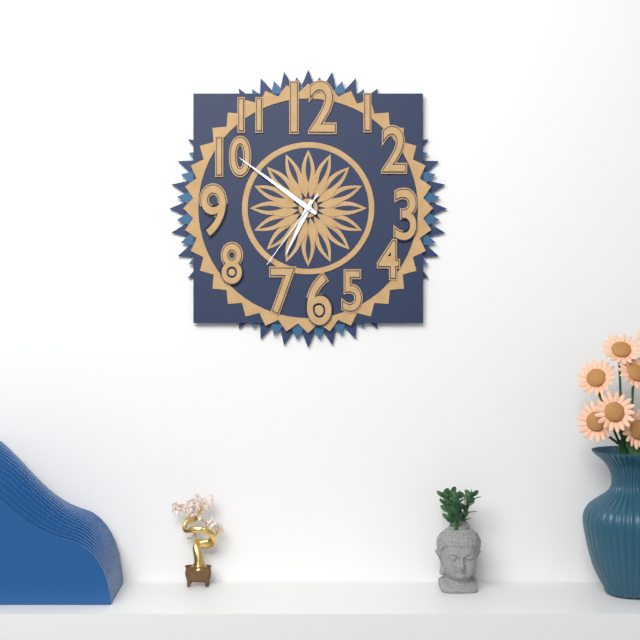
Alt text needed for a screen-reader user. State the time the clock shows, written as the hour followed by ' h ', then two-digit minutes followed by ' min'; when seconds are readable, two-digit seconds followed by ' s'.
6 h 51 min 36 s
